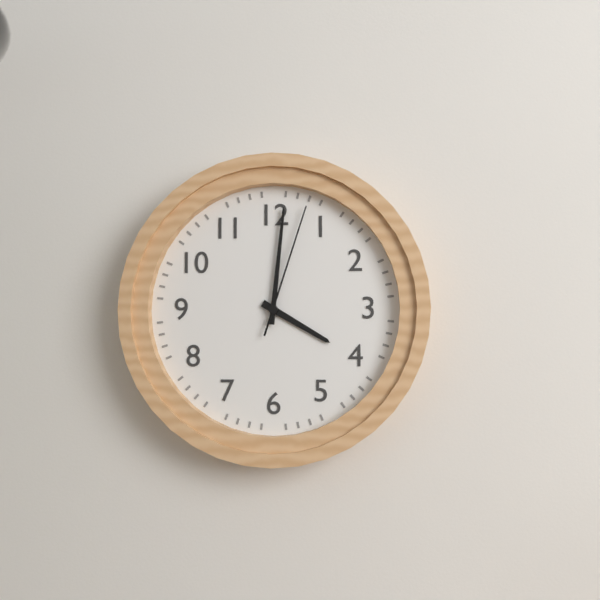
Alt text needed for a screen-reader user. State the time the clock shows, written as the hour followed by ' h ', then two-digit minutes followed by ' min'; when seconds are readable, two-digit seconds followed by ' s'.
4 h 01 min 03 s
